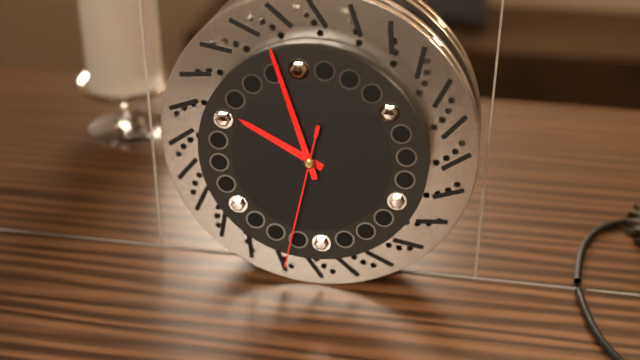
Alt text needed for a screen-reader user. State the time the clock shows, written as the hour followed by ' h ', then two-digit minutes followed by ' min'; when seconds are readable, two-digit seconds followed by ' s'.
9 h 57 min 32 s
